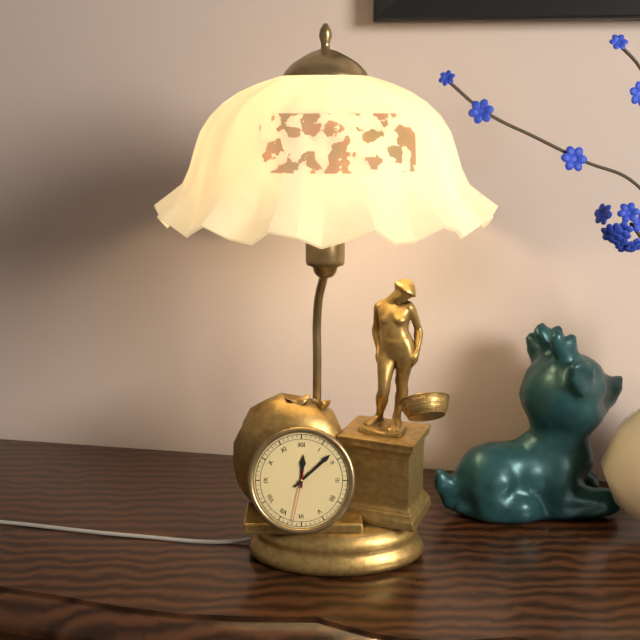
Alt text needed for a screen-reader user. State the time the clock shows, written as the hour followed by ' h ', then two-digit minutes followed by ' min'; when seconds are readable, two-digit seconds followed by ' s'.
12 h 08 min 32 s
